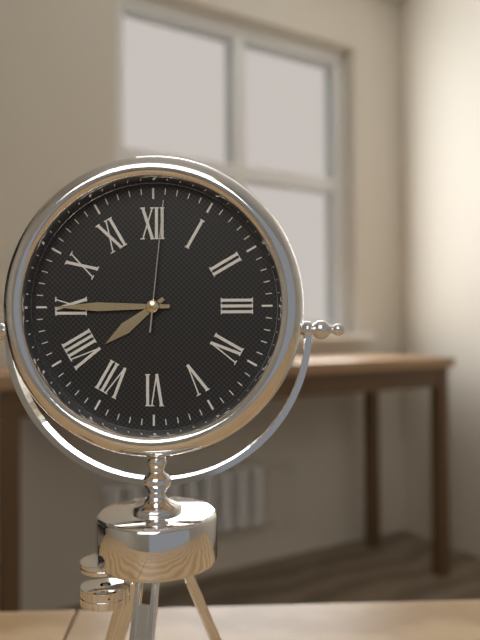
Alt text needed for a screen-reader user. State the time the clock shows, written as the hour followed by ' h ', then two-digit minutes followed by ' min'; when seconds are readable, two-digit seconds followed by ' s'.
7 h 45 min 01 s
